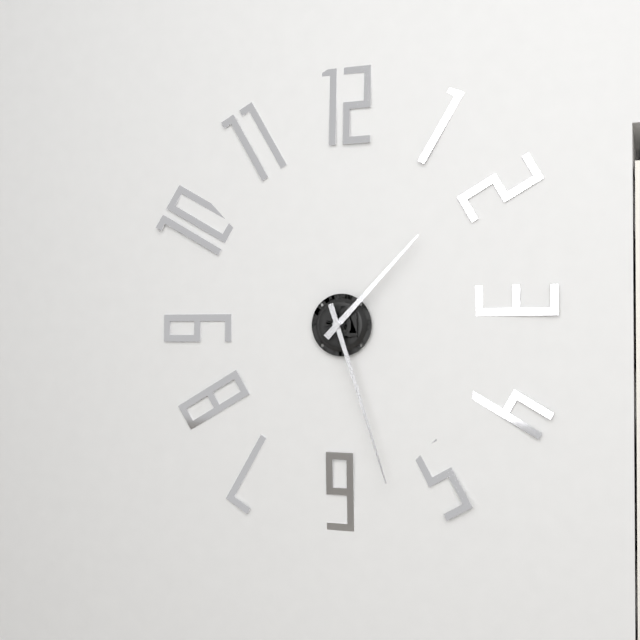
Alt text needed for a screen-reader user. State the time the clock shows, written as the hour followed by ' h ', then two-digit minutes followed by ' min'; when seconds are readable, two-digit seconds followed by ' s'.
1 h 27 min
